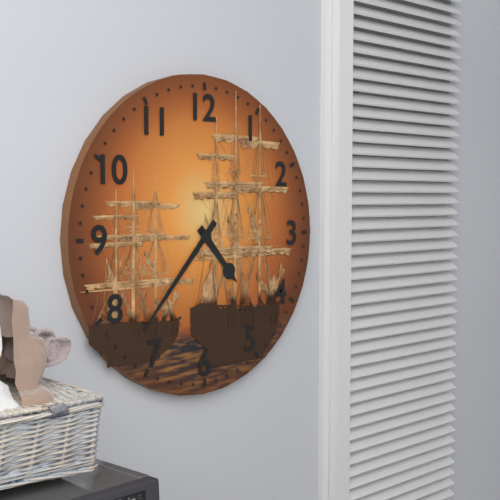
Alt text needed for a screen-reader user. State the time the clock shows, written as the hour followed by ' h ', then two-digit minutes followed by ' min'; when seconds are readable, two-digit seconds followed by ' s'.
4 h 37 min
